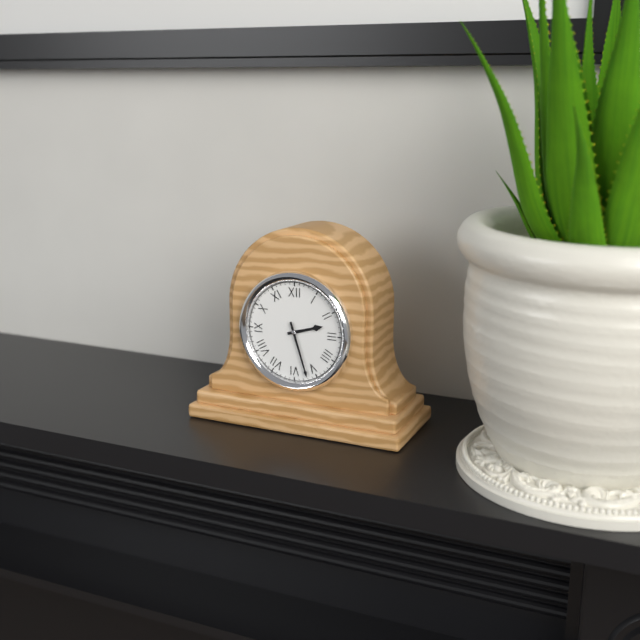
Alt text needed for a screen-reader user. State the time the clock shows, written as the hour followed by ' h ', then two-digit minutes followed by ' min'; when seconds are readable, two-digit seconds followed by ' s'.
2 h 27 min
